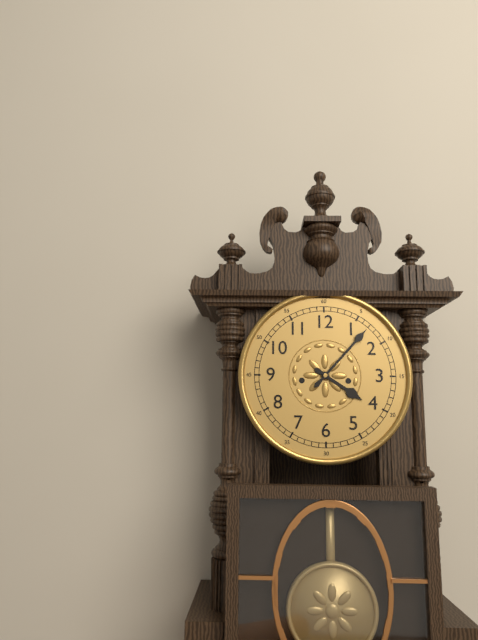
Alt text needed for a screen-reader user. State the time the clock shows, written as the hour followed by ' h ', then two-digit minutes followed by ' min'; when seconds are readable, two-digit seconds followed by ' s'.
4 h 07 min
